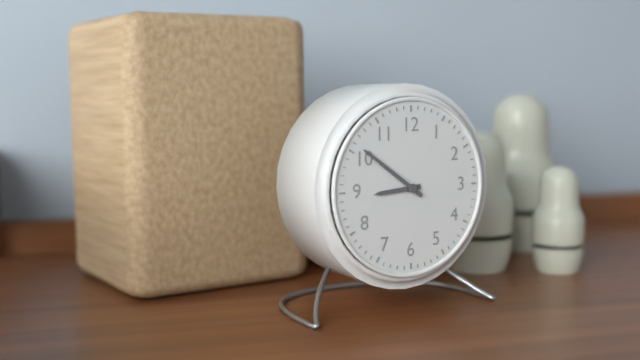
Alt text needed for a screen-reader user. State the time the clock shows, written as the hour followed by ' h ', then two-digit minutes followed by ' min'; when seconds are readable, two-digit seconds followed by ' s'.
8 h 51 min
